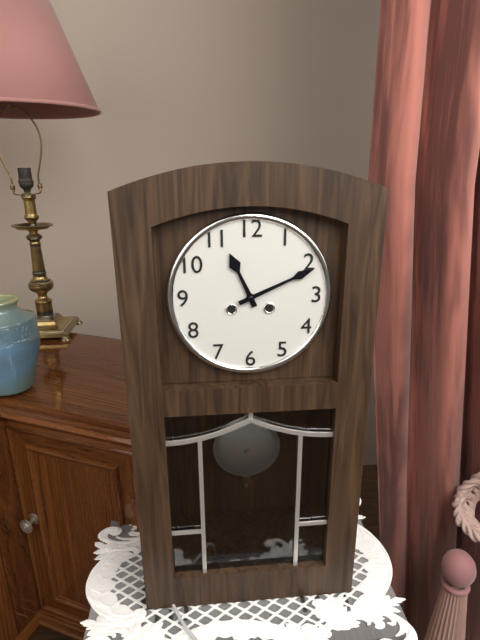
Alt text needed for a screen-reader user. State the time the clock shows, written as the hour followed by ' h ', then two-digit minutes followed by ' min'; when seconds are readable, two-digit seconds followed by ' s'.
11 h 11 min
